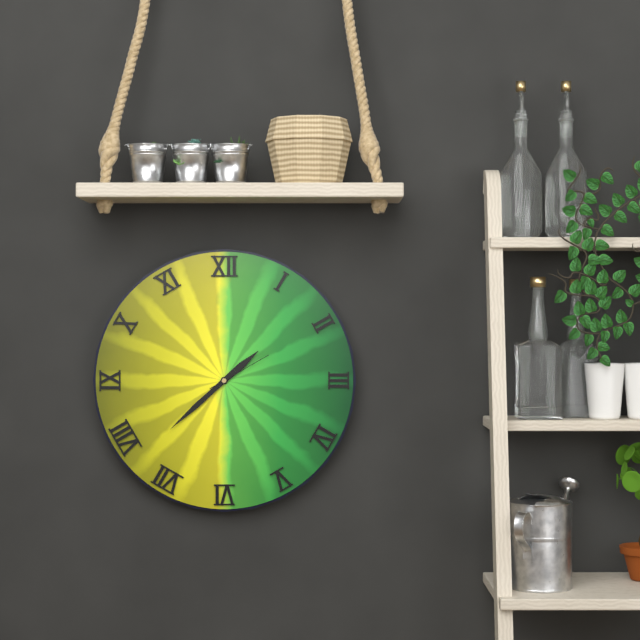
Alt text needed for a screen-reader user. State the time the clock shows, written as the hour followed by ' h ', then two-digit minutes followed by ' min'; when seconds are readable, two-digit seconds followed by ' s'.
1 h 38 min 10 s
